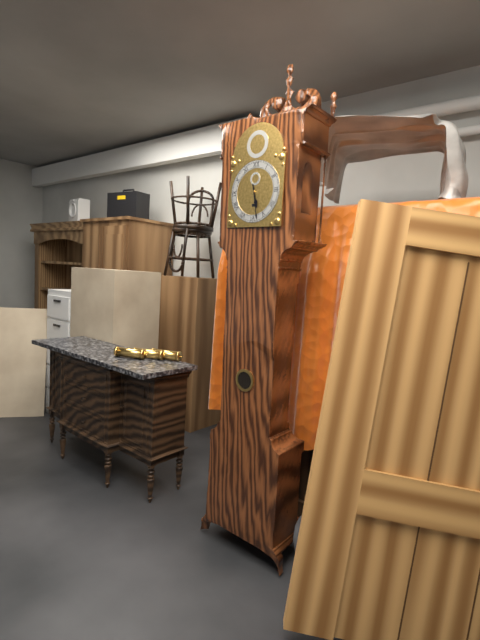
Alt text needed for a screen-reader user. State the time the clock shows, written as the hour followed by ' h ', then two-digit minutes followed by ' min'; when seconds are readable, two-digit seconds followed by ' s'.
5 h 28 min
